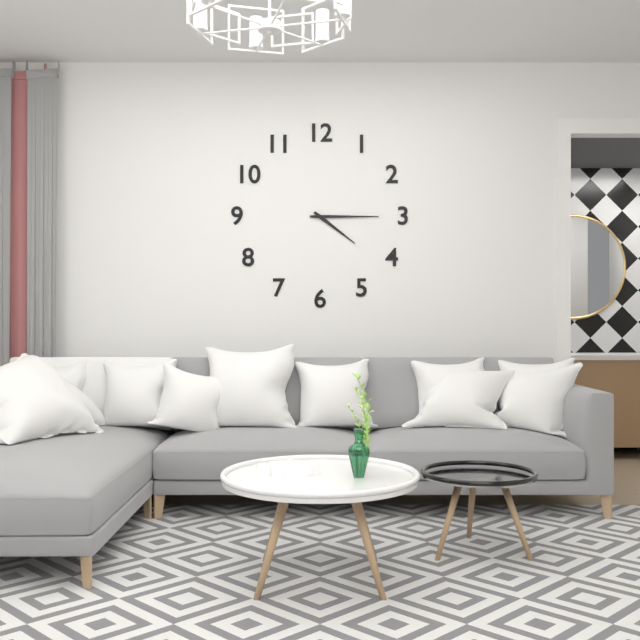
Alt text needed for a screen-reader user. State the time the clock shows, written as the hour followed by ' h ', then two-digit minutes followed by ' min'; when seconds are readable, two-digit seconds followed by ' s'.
4 h 15 min
